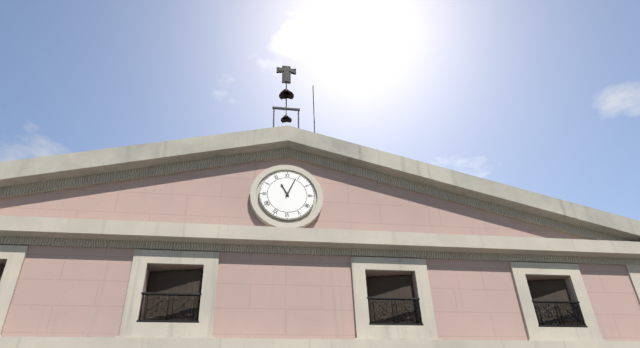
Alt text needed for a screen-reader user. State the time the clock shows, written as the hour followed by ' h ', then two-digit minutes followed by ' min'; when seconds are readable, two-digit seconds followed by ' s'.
11 h 04 min
